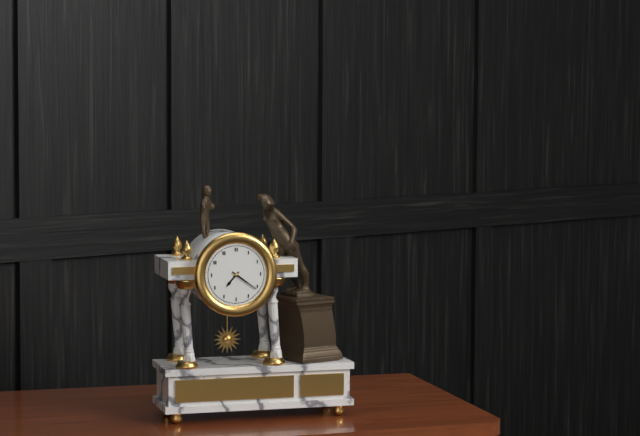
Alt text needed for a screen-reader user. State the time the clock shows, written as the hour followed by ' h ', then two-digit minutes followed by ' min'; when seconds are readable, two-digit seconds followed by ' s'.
7 h 21 min
